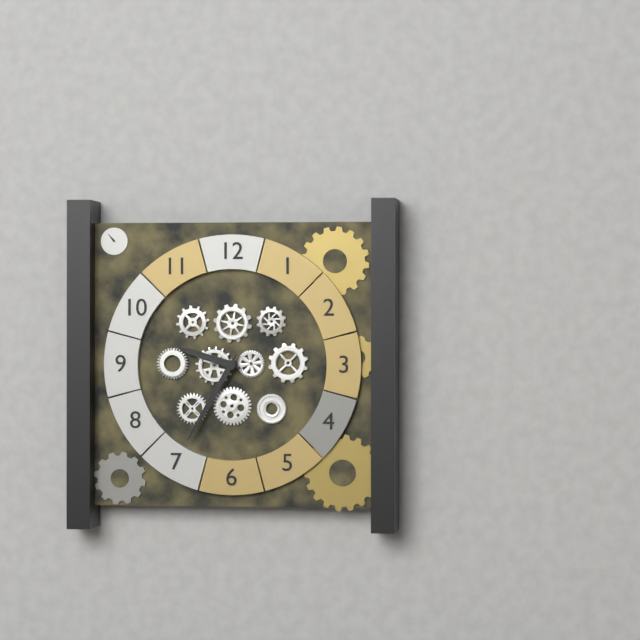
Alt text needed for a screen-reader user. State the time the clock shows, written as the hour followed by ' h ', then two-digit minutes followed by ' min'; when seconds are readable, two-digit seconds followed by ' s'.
9 h 35 min
